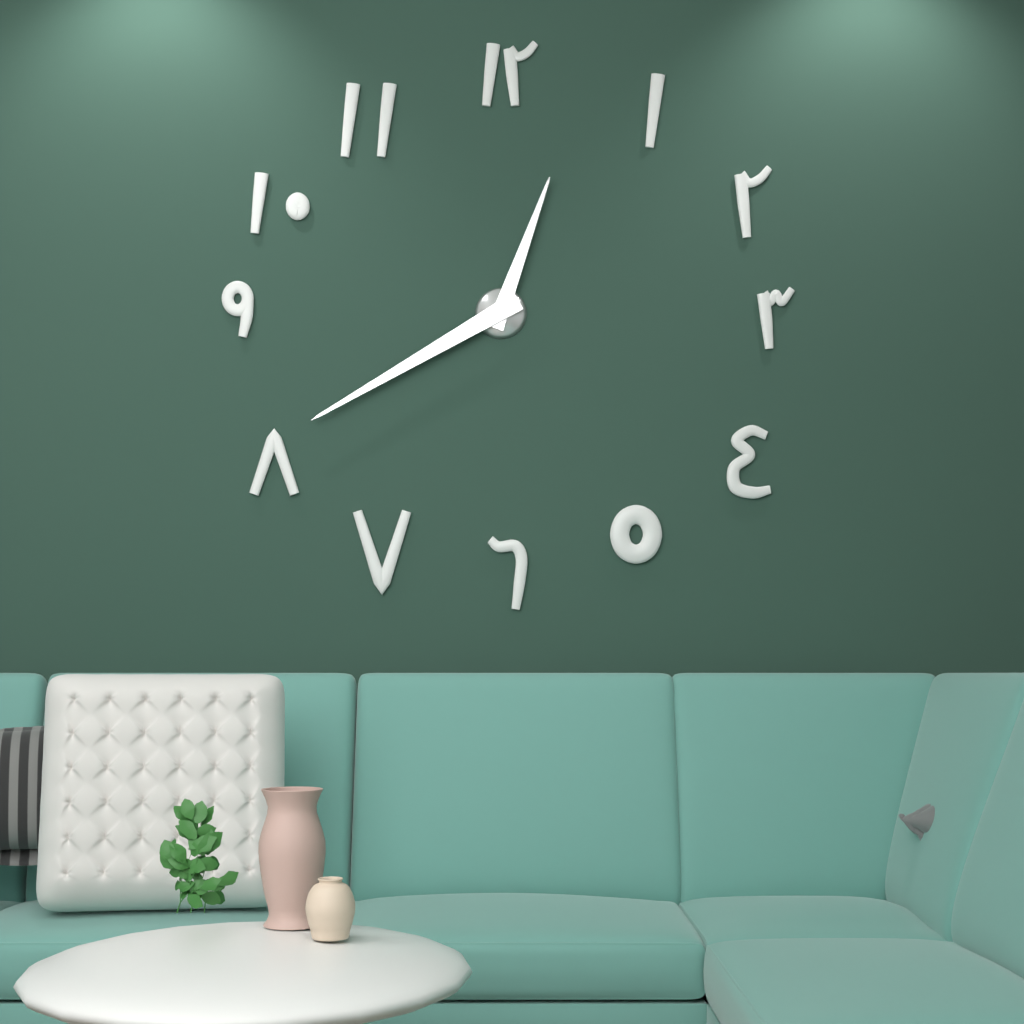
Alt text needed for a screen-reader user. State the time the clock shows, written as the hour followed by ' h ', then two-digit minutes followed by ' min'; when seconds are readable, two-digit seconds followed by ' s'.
12 h 40 min
